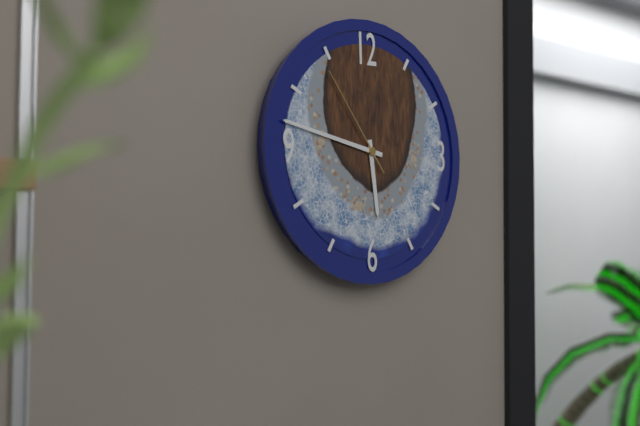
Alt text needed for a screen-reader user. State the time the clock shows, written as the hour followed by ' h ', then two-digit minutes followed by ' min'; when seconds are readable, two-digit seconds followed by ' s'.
5 h 47 min 54 s
